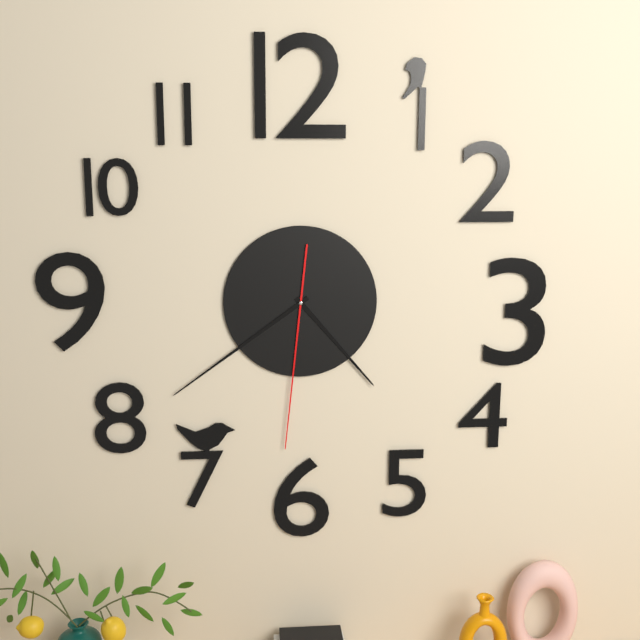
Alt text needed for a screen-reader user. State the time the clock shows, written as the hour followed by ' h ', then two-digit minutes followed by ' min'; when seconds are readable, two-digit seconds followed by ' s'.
4 h 39 min 31 s
